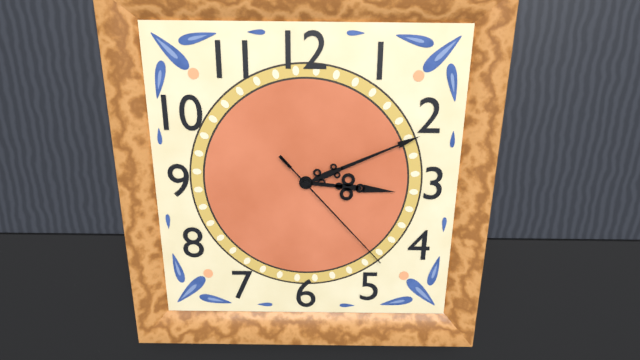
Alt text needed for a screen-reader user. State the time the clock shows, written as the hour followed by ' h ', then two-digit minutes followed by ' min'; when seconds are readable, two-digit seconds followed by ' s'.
3 h 11 min 23 s
